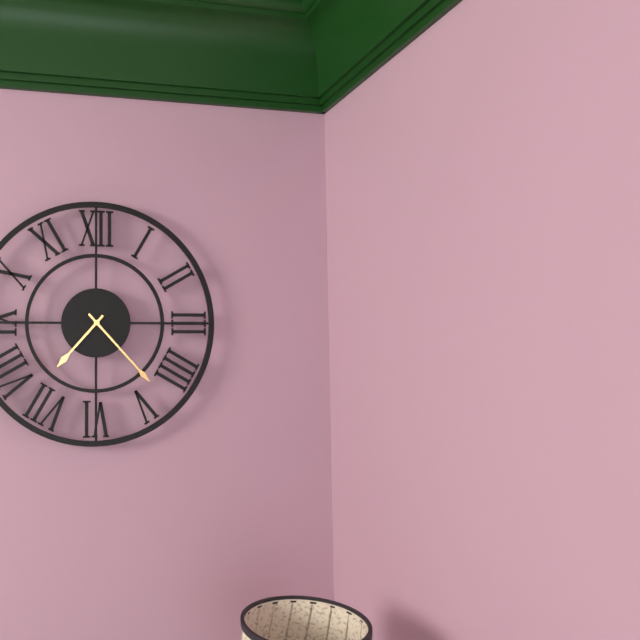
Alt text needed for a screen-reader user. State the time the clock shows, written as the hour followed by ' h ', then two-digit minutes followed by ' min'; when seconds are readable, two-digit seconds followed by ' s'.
7 h 23 min
